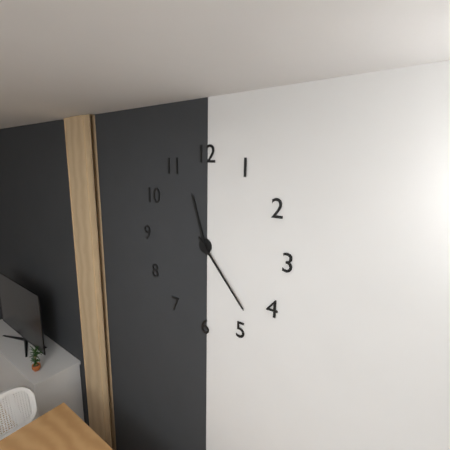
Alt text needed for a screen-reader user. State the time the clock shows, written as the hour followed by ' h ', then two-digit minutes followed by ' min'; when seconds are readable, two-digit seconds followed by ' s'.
11 h 23 min
